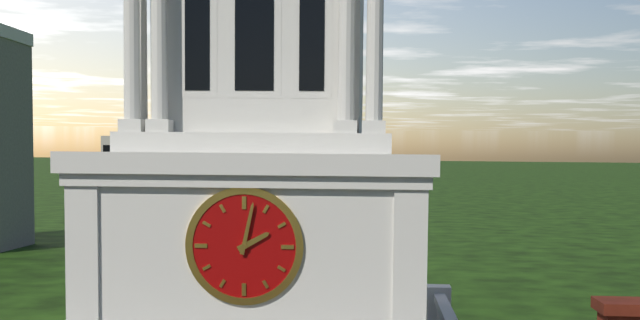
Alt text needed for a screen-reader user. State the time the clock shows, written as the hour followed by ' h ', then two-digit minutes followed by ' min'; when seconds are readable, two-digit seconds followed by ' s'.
2 h 02 min
